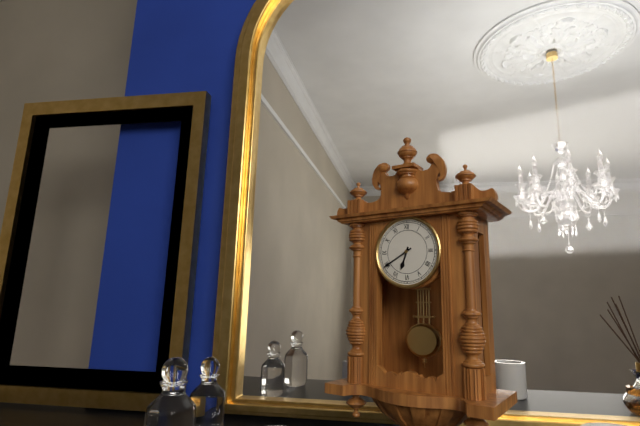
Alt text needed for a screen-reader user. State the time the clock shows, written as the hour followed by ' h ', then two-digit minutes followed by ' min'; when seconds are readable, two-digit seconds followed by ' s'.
6 h 40 min
